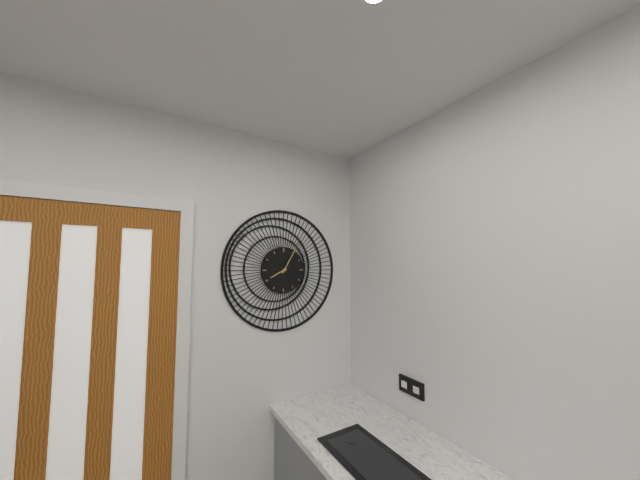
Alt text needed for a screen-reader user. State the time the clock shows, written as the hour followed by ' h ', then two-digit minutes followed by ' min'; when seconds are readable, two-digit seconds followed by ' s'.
8 h 05 min
